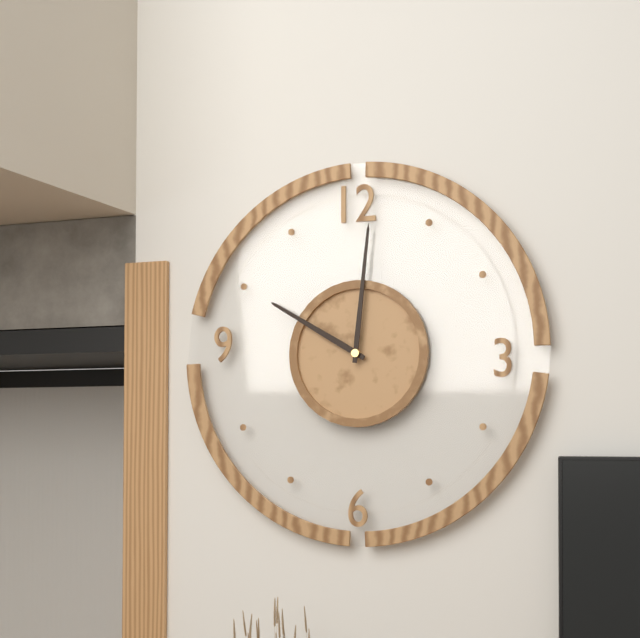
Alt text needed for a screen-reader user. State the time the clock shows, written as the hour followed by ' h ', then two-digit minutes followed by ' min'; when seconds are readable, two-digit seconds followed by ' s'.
10 h 01 min
